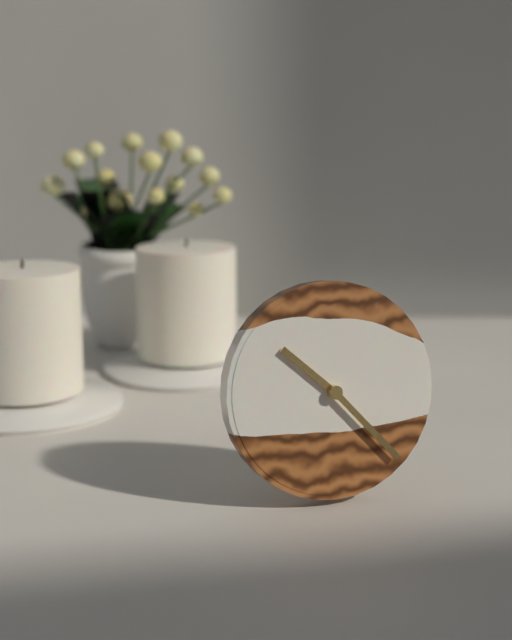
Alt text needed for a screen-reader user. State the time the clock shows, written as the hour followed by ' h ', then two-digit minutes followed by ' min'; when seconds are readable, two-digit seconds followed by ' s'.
10 h 23 min
